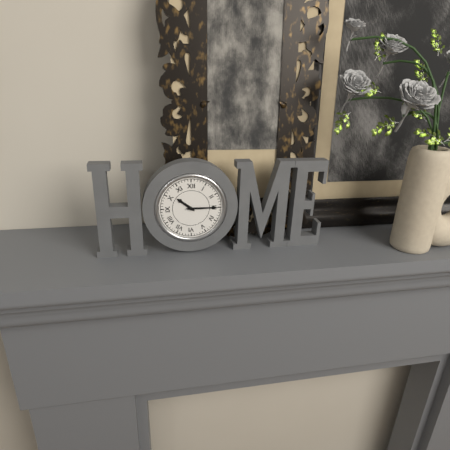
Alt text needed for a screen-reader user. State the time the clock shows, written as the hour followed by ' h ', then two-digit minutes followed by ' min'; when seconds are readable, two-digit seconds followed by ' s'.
10 h 15 min
